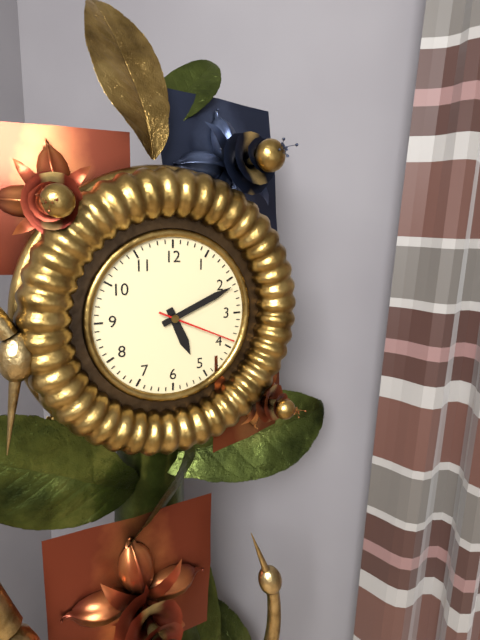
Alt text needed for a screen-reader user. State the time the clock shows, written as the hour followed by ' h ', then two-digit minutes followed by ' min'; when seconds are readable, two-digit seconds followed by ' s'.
5 h 11 min 19 s
